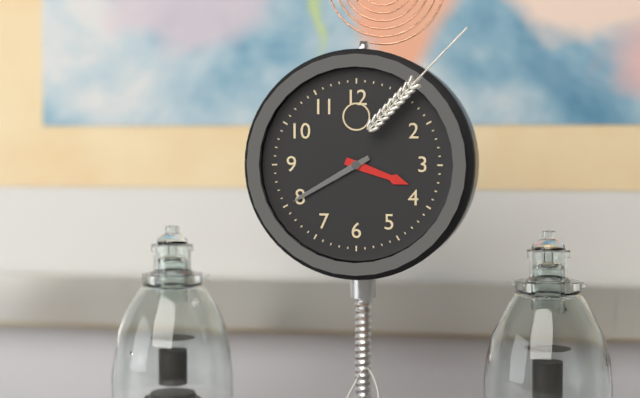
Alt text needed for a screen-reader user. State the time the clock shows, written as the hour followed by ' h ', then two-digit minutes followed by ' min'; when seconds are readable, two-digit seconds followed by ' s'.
3 h 40 min
